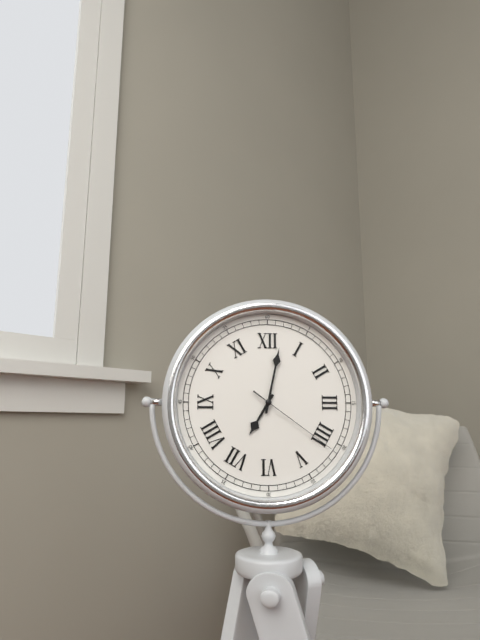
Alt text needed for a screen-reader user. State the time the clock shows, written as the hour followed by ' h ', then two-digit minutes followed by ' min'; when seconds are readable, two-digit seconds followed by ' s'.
7 h 02 min 21 s
